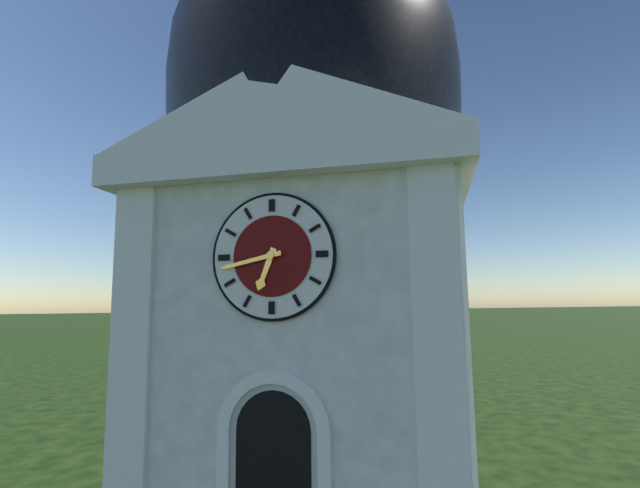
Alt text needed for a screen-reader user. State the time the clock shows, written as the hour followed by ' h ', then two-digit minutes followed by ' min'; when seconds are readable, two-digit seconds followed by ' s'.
6 h 43 min
